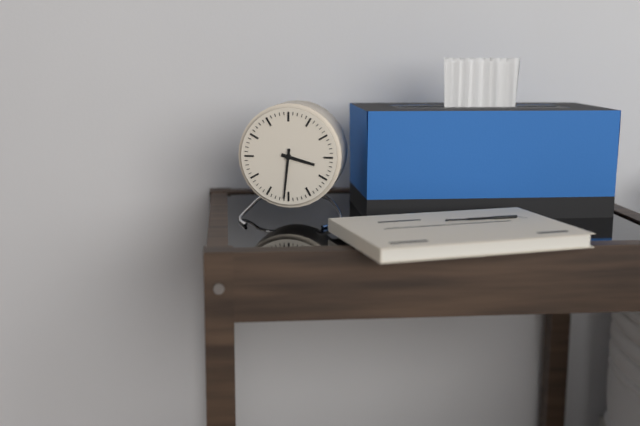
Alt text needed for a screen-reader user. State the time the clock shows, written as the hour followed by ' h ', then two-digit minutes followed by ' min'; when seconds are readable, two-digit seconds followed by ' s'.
3 h 31 min
